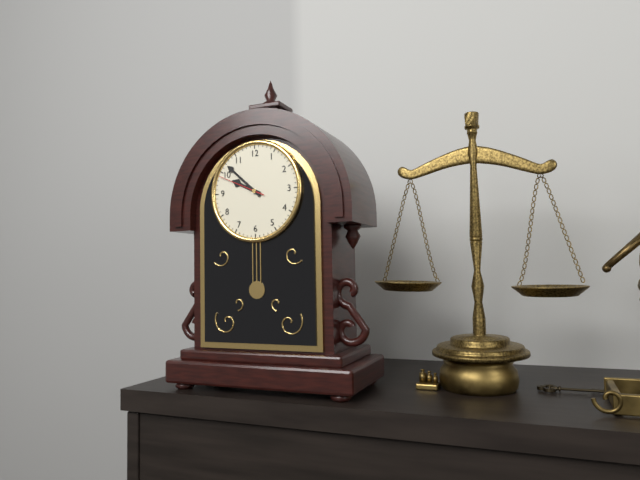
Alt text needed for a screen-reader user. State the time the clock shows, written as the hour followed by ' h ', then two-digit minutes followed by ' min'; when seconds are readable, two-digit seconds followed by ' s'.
9 h 52 min
